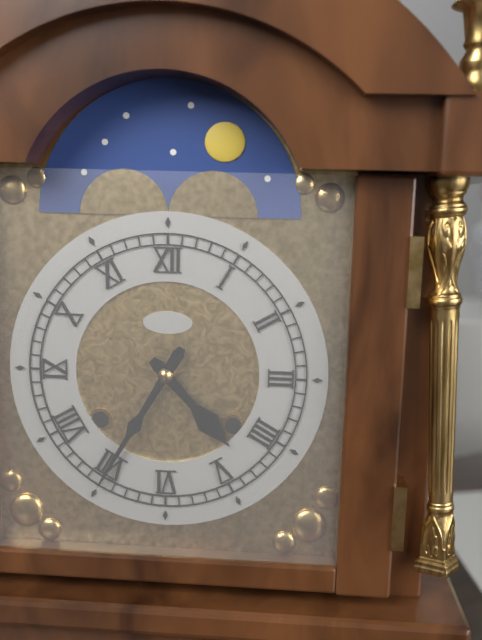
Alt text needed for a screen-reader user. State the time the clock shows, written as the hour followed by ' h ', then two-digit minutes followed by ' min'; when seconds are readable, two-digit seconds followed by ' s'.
4 h 35 min
